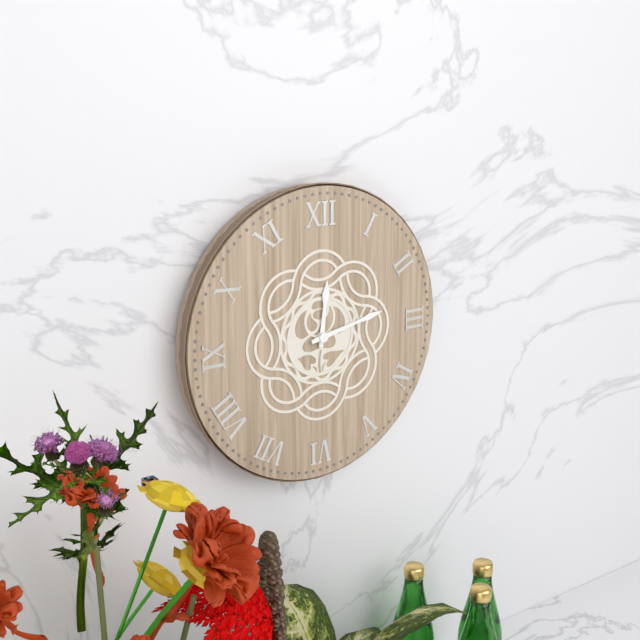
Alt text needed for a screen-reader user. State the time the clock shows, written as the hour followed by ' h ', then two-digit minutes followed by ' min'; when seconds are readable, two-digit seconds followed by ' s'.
12 h 13 min
